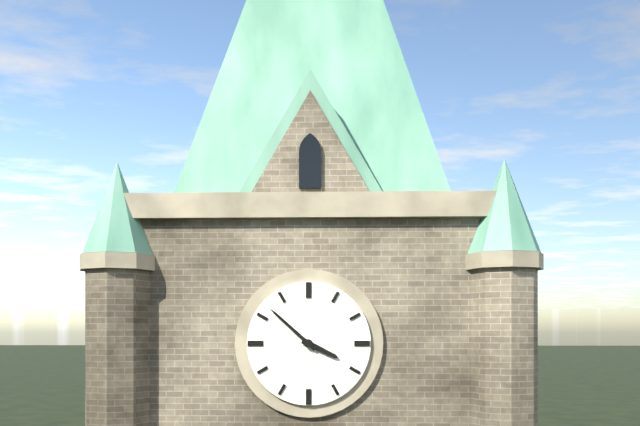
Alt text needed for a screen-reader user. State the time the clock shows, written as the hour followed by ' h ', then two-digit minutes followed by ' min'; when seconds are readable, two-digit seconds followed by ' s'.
3 h 52 min
